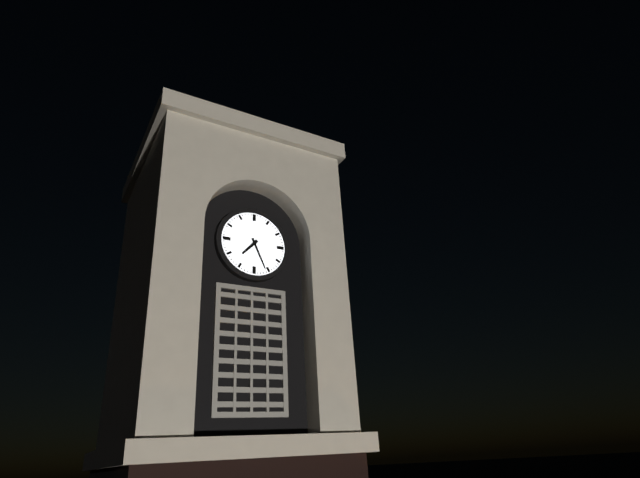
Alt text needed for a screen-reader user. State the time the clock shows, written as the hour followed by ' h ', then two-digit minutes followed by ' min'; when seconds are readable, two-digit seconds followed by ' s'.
7 h 26 min
